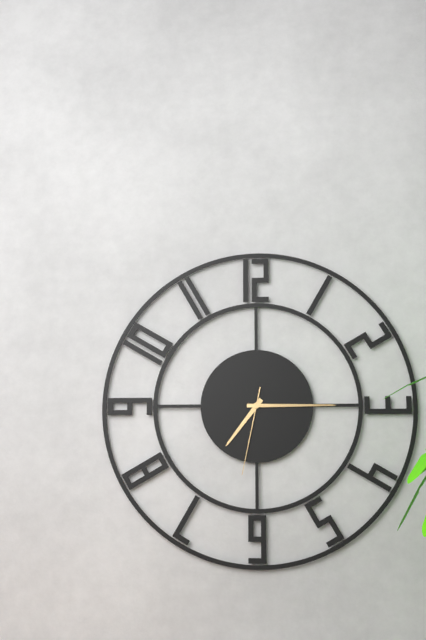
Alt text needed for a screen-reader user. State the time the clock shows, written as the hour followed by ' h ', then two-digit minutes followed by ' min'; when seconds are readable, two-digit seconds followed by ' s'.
7 h 15 min 32 s
